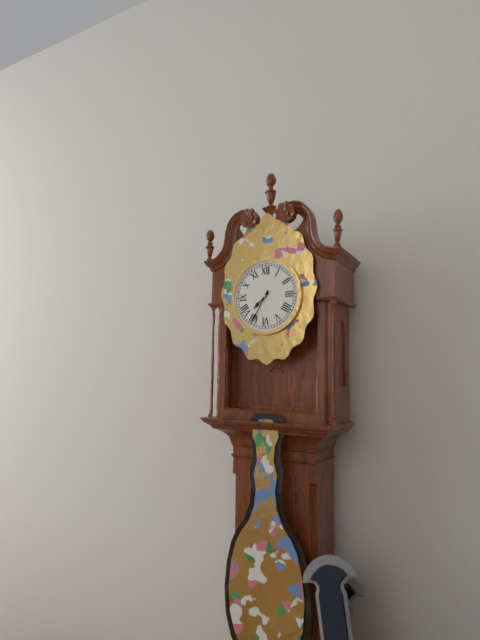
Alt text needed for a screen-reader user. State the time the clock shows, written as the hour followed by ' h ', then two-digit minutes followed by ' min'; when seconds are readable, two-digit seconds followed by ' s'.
7 h 35 min
